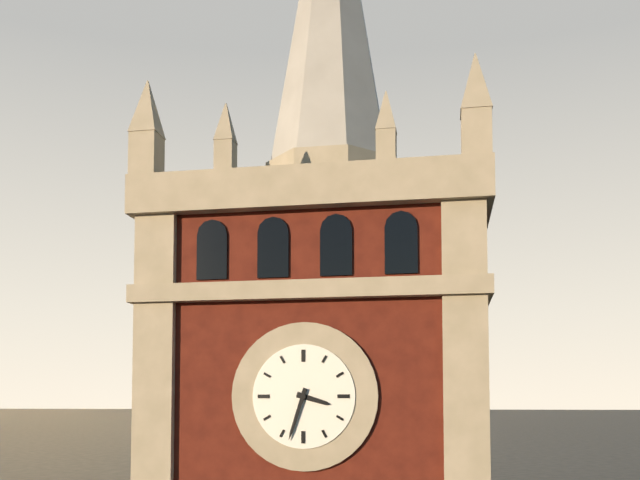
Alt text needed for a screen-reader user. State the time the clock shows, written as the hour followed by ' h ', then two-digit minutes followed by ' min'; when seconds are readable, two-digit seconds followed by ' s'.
3 h 33 min
